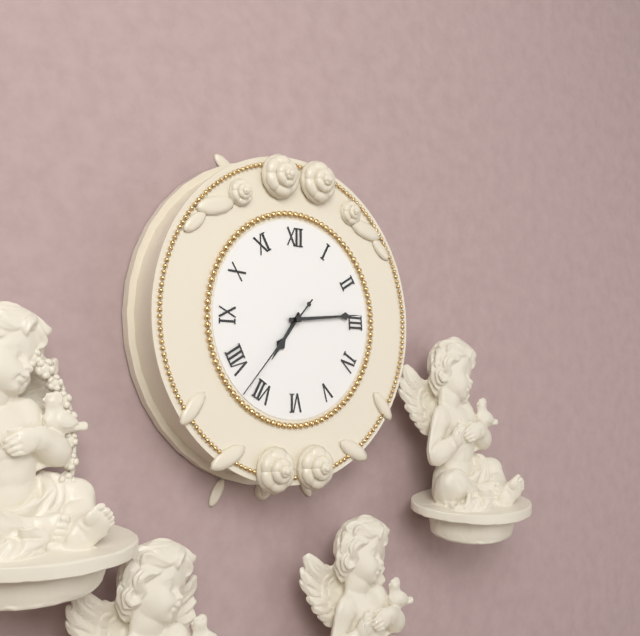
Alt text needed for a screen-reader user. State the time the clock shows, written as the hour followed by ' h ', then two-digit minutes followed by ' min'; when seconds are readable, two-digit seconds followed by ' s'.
7 h 14 min 37 s
